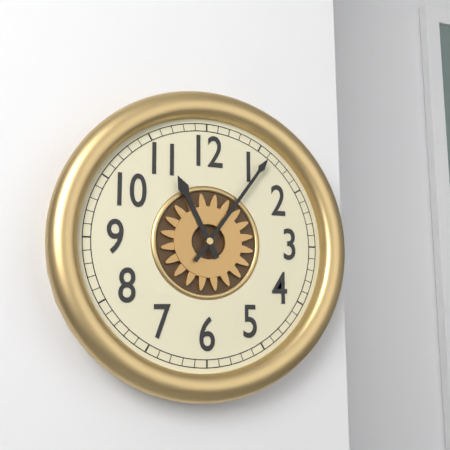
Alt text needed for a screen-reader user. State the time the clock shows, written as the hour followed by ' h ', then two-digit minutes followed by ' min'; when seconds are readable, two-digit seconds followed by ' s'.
11 h 06 min
